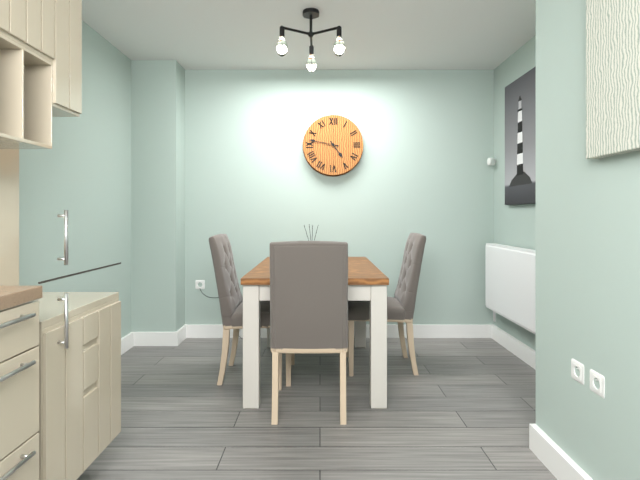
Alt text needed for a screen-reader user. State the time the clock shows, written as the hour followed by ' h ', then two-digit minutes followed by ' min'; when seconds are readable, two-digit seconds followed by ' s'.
4 h 47 min
